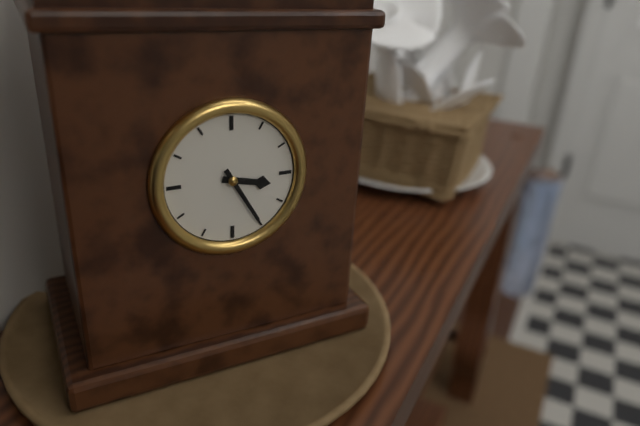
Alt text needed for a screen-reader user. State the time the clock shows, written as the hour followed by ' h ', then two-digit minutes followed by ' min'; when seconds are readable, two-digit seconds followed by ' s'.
3 h 25 min
